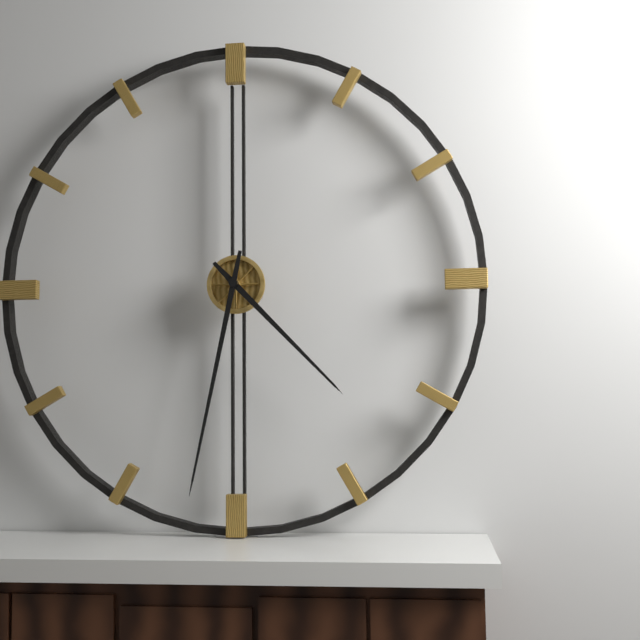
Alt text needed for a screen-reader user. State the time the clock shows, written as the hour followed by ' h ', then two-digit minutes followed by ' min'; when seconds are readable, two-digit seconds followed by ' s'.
4 h 32 min
